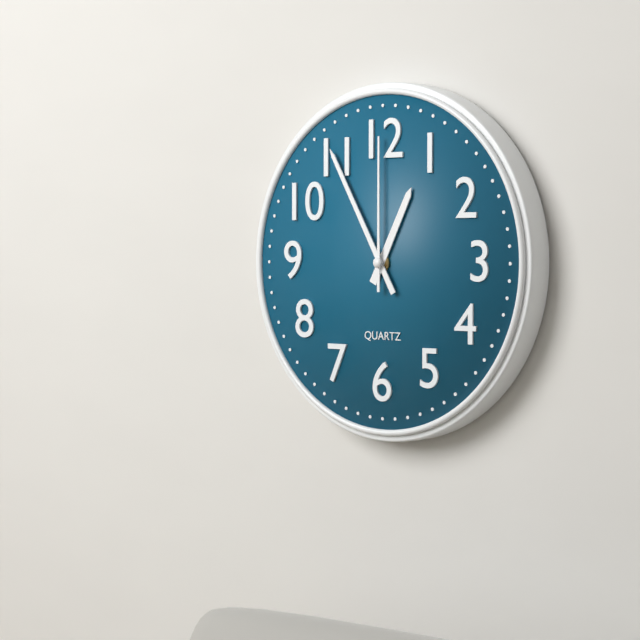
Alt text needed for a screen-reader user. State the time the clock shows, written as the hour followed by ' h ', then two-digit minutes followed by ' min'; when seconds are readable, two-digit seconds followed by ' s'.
12 h 55 min 00 s
